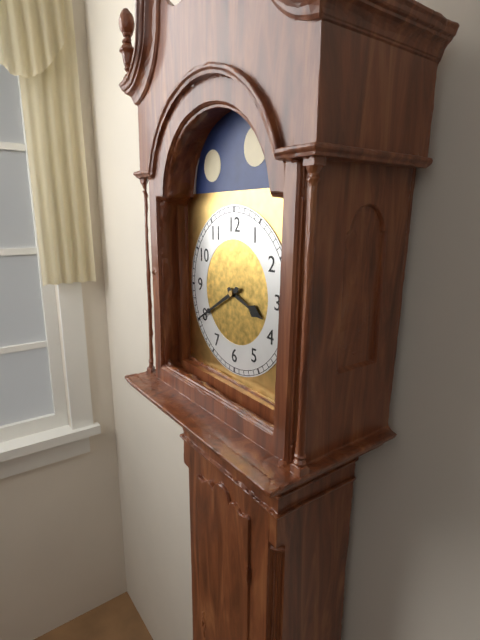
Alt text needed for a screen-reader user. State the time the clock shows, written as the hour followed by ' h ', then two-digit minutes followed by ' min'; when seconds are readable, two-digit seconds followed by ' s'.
3 h 40 min
